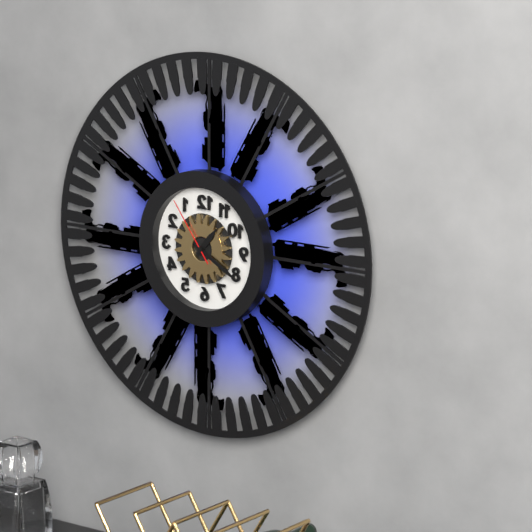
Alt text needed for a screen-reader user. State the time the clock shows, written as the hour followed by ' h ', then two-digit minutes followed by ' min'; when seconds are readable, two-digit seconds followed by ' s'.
1 h 20 min 54 s
